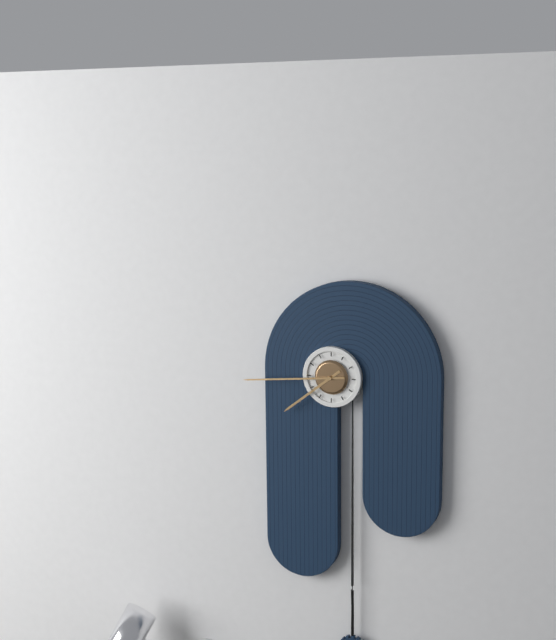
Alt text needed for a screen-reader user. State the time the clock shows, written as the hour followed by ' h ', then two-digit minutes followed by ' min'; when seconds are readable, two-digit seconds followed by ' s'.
7 h 44 min
